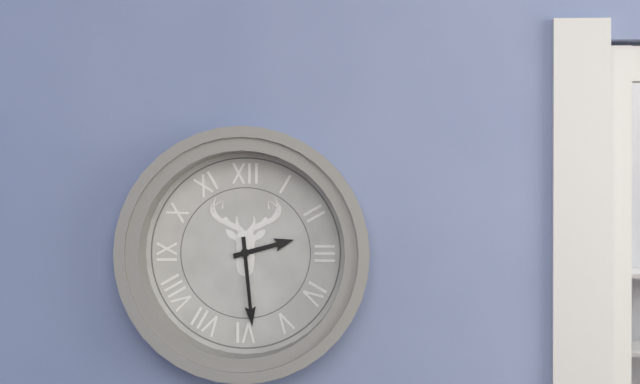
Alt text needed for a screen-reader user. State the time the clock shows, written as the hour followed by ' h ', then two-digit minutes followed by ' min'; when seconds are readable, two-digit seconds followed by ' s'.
2 h 29 min
